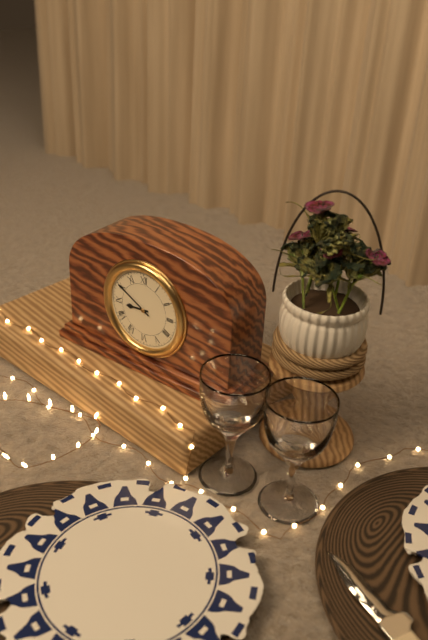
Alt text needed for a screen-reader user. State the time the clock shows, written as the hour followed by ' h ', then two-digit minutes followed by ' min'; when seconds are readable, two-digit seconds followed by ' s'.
8 h 50 min
